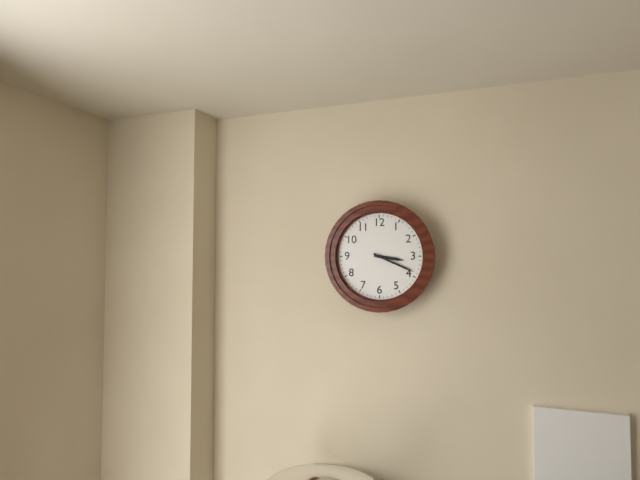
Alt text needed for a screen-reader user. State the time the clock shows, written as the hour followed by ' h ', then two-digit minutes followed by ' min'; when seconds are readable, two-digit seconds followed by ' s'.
3 h 19 min
